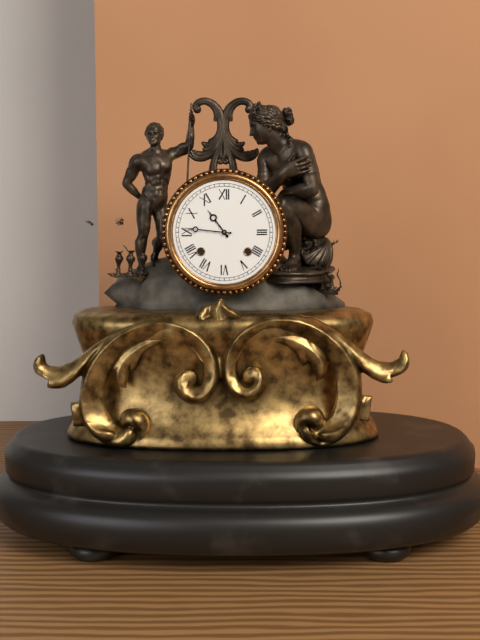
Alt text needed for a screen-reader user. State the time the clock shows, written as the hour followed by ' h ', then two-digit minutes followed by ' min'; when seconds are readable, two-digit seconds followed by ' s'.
10 h 46 min
